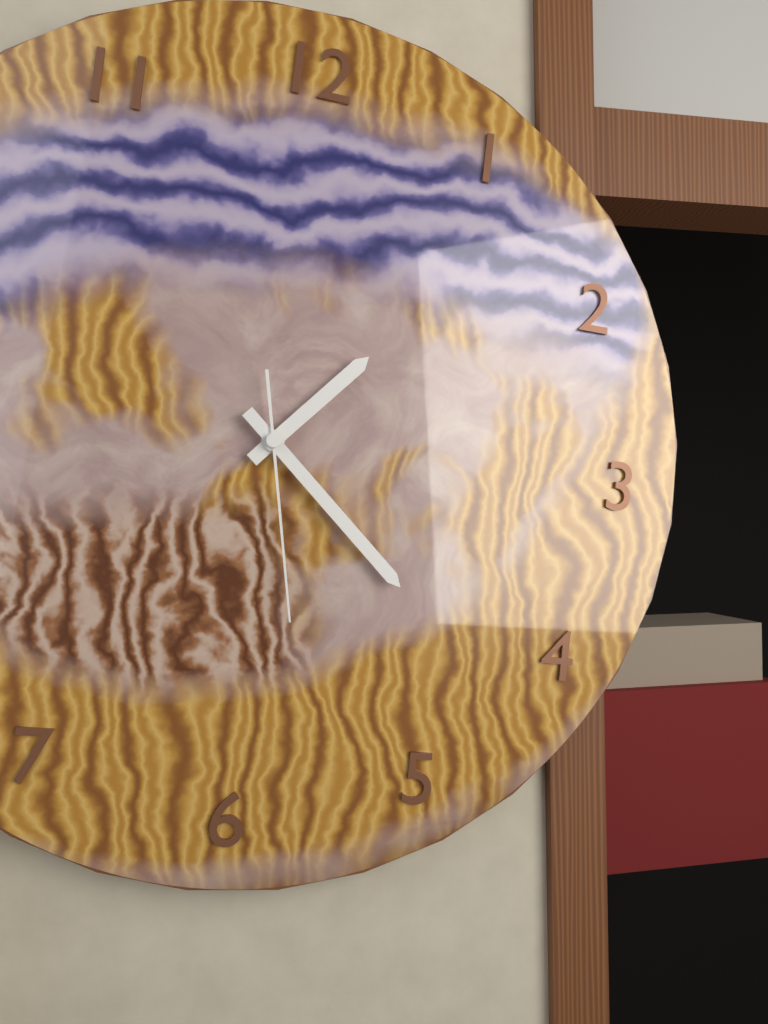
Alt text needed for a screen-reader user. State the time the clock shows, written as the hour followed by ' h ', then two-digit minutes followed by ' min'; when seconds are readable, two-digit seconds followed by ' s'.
1 h 22 min 28 s
